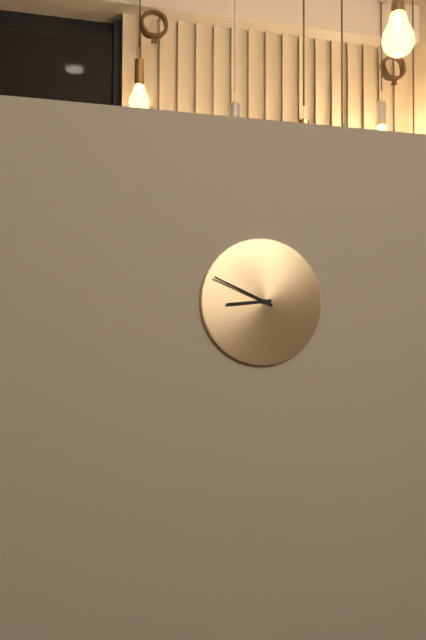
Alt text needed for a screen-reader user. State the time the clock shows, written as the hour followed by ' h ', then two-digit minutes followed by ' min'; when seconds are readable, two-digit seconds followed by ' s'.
8 h 49 min
